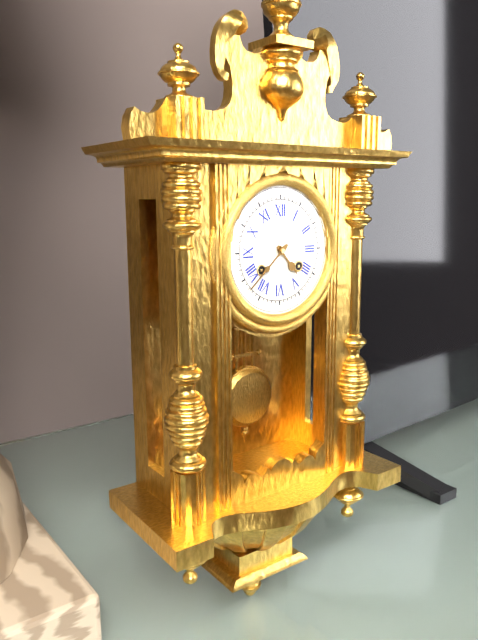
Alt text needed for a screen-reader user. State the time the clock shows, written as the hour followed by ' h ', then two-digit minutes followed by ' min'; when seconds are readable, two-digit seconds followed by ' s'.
4 h 38 min
